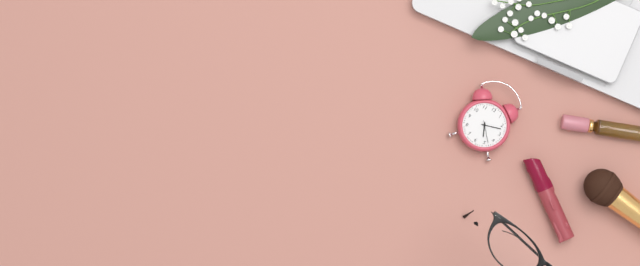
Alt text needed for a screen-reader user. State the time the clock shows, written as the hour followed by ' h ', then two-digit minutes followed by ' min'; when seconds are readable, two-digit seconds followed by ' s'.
5 h 12 min
